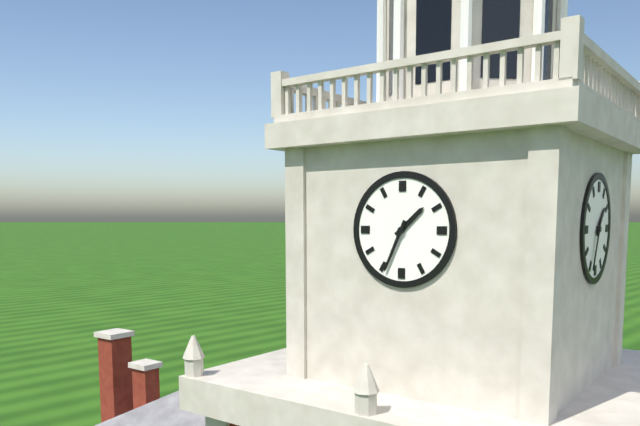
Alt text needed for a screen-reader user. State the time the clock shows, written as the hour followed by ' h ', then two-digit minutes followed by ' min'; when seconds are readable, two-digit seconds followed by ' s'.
1 h 34 min
